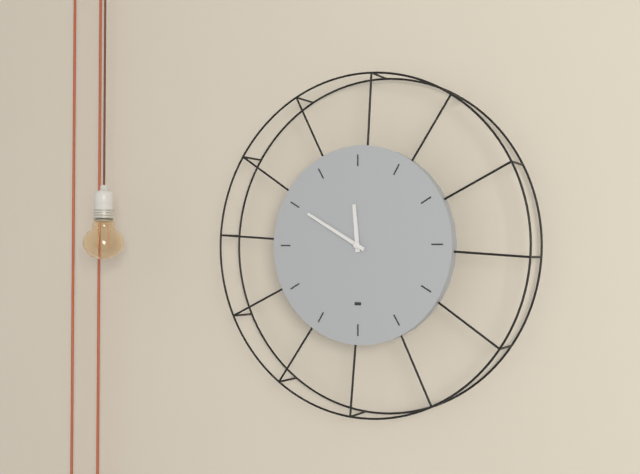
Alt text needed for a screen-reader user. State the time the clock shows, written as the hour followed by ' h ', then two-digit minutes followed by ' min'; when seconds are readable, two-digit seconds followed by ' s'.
11 h 50 min
